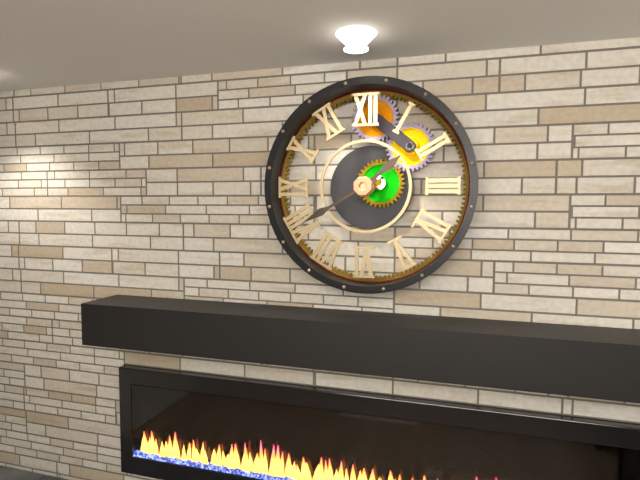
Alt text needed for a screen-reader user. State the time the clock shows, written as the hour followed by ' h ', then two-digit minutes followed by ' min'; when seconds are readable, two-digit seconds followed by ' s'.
1 h 40 min
